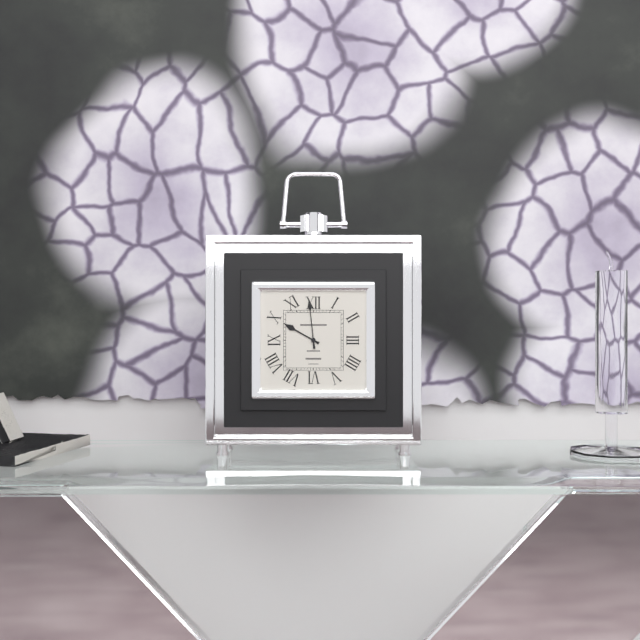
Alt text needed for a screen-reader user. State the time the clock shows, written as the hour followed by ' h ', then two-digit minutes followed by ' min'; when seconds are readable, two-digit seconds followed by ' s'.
9 h 59 min
